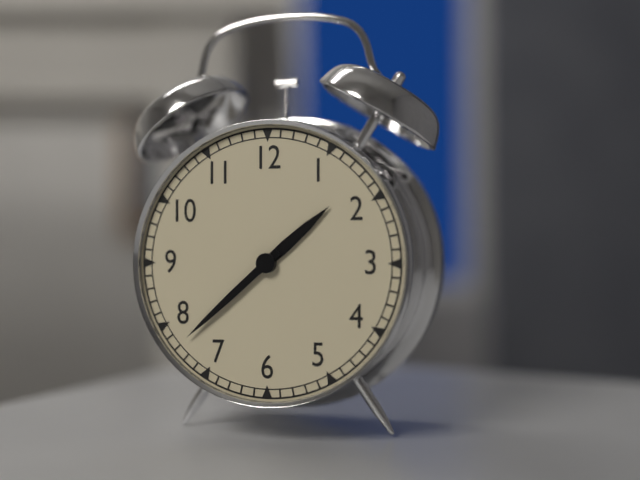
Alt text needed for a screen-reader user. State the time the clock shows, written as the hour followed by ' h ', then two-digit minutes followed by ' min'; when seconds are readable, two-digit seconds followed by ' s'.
1 h 38 min
